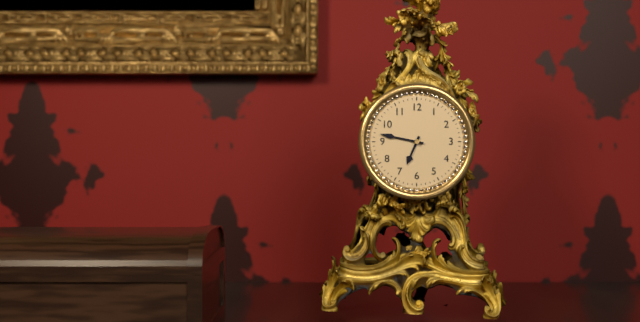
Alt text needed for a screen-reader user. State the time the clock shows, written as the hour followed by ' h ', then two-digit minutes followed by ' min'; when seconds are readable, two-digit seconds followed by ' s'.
6 h 47 min
